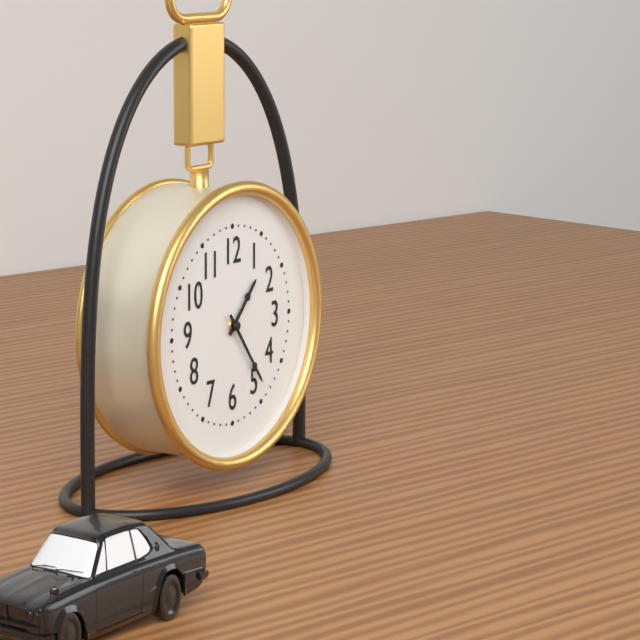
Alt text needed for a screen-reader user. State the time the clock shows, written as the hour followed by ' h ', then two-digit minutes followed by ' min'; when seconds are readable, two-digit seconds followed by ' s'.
1 h 24 min
